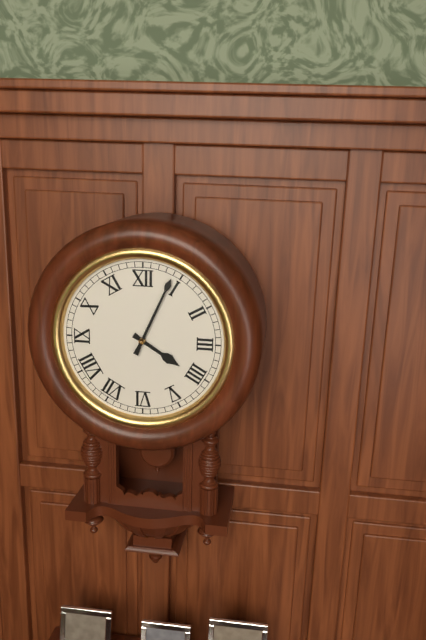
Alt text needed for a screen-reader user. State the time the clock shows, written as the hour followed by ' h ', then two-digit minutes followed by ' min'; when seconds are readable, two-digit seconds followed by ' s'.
4 h 04 min
